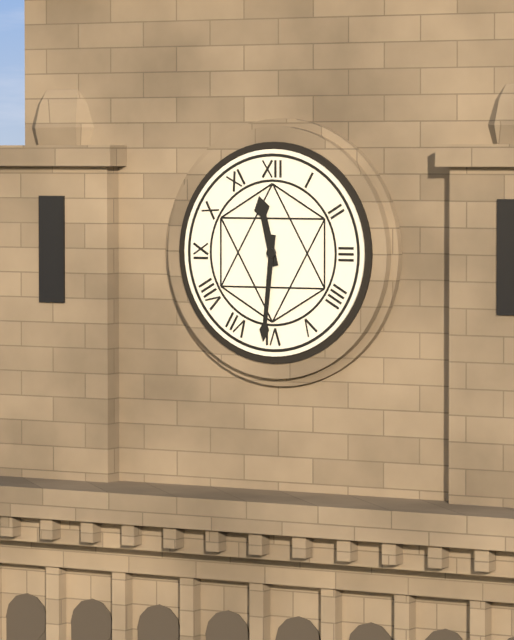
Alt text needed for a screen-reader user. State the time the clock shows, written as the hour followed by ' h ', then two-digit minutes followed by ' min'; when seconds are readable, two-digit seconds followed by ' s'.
11 h 31 min
